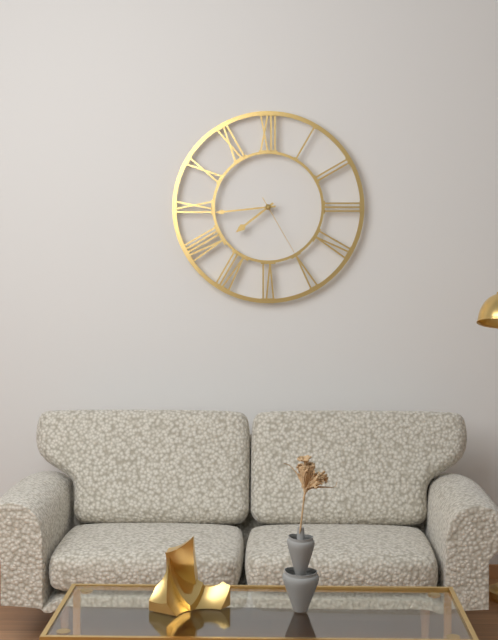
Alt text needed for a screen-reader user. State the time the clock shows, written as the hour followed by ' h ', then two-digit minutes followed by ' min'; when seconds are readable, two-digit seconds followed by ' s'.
7 h 44 min 25 s
